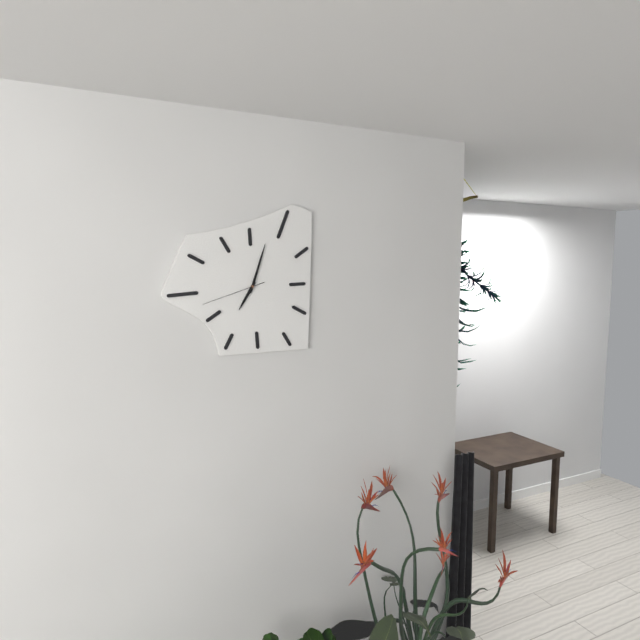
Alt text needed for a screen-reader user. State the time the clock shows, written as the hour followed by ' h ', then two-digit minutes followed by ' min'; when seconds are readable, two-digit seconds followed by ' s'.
7 h 03 min 42 s
